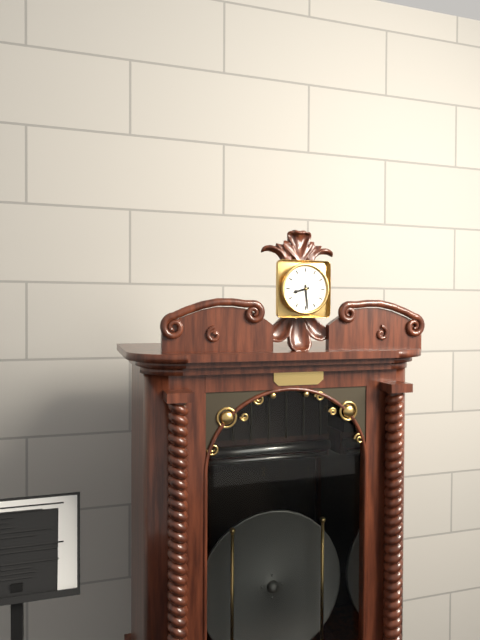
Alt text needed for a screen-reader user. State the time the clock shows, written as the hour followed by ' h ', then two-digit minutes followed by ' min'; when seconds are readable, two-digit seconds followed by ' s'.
8 h 29 min
